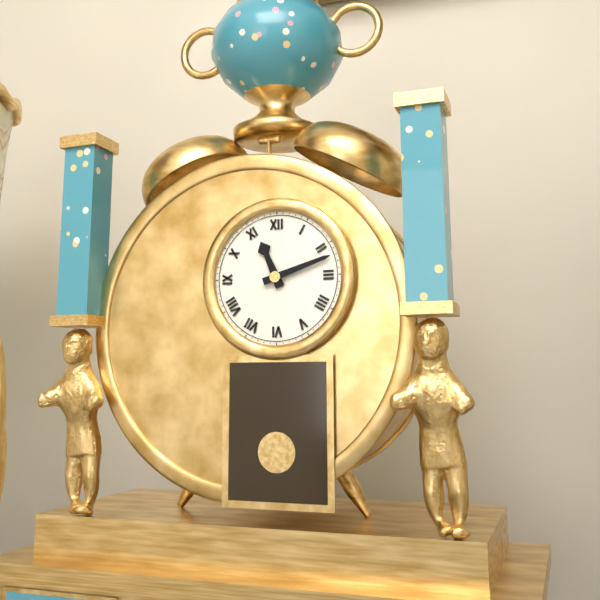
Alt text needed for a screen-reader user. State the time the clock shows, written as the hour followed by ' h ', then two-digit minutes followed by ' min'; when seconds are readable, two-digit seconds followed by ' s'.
11 h 12 min
